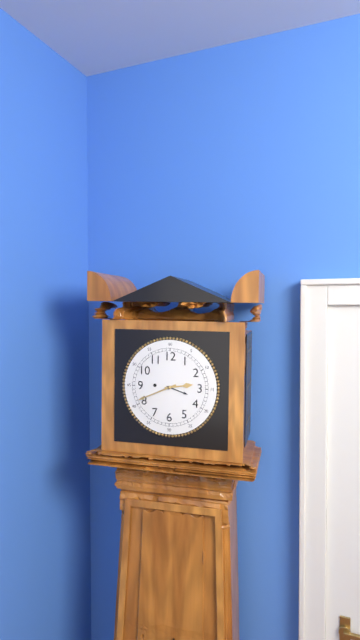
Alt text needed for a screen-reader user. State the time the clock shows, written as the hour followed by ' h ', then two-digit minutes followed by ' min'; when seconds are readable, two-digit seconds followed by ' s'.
2 h 41 min
